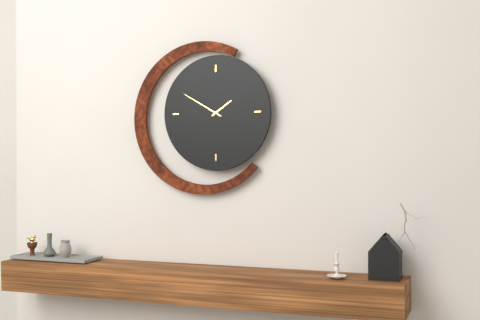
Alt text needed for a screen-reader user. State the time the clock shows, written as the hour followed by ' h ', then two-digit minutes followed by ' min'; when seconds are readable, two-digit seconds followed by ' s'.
1 h 50 min
